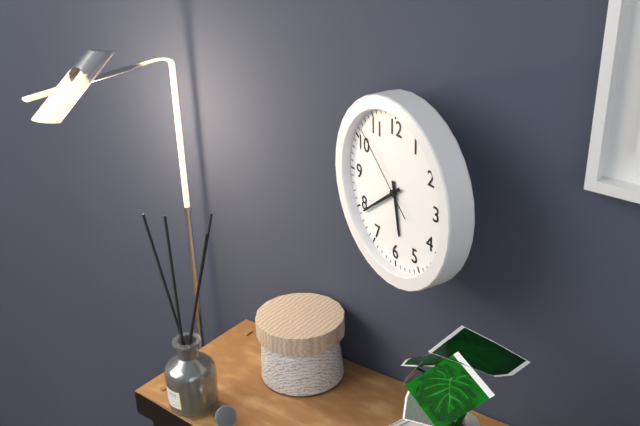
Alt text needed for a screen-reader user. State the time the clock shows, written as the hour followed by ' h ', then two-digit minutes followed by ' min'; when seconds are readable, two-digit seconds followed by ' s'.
5 h 39 min 52 s
